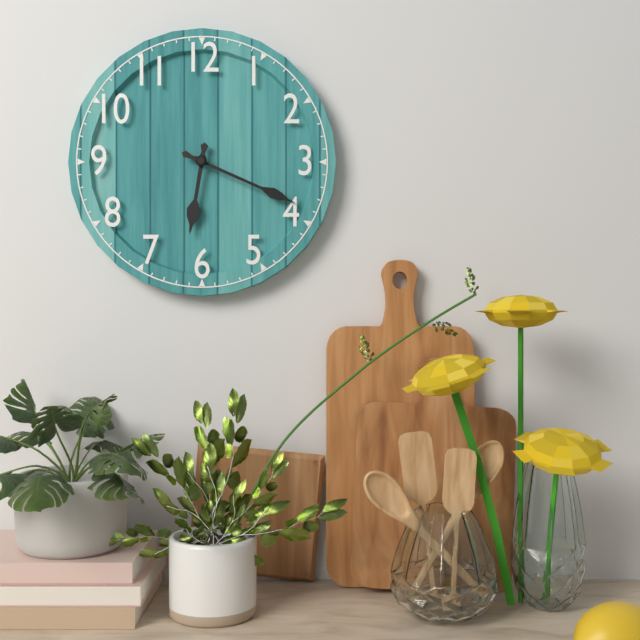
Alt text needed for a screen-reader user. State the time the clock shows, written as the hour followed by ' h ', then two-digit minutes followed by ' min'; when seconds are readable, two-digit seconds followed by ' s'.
6 h 19 min
